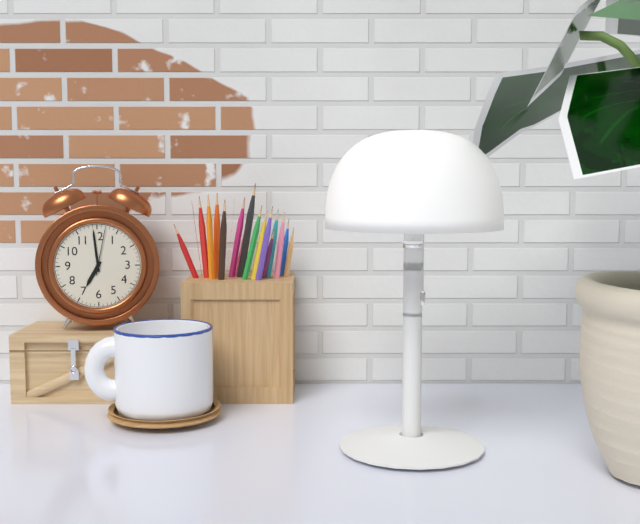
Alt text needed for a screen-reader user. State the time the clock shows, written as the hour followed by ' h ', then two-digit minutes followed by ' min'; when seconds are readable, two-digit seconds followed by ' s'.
6 h 59 min
